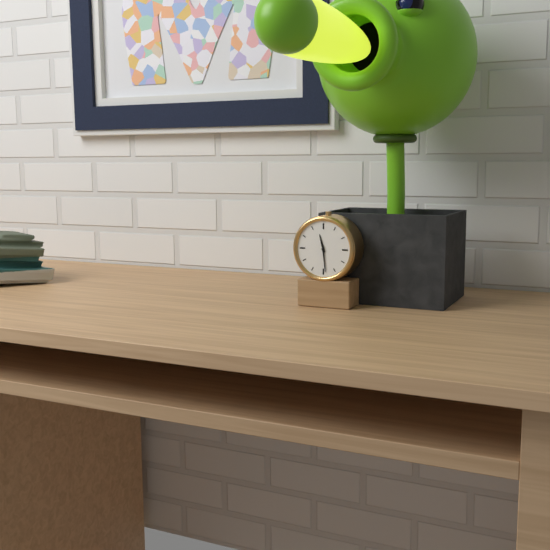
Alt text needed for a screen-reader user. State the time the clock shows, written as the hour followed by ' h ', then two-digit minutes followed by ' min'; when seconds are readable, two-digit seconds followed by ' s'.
11 h 29 min
